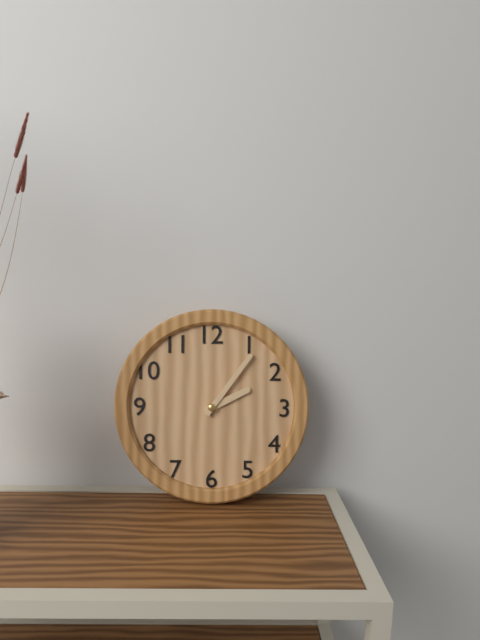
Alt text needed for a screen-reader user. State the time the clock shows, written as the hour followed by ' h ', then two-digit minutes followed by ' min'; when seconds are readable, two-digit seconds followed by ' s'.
2 h 06 min
